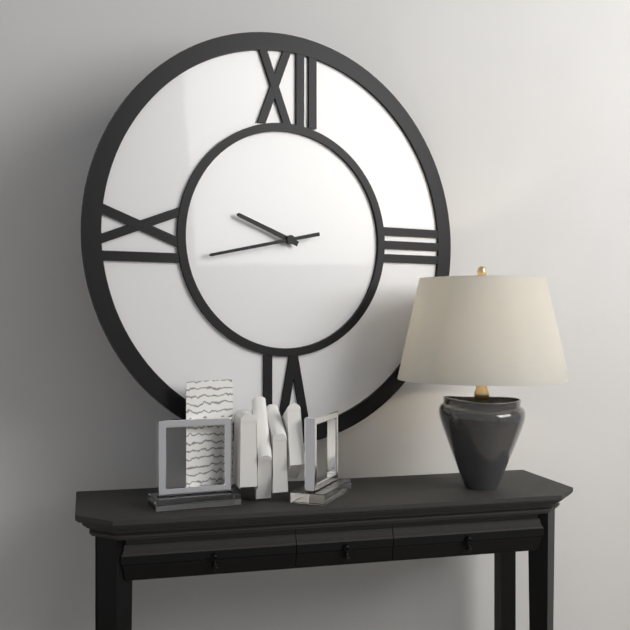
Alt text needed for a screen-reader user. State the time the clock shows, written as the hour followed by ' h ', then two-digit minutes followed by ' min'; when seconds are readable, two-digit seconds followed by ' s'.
9 h 43 min
